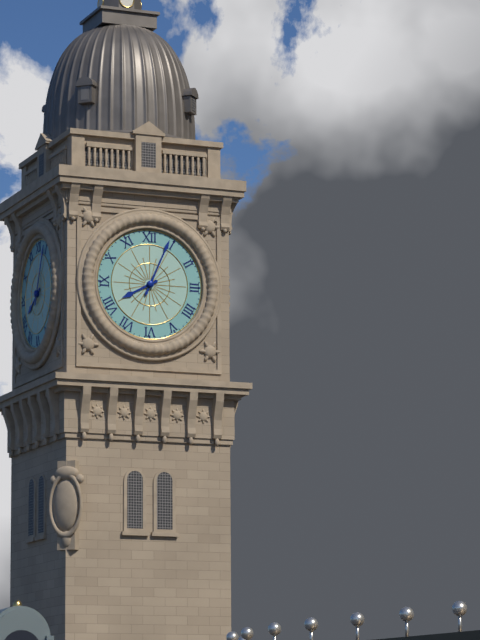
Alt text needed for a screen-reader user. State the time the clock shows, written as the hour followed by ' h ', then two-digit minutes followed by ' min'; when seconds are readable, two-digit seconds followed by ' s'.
8 h 04 min
